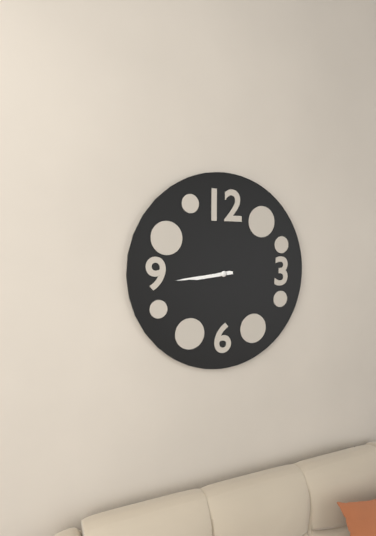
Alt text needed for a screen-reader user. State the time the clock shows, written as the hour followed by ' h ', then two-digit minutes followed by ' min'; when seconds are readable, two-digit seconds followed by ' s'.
8 h 44 min
